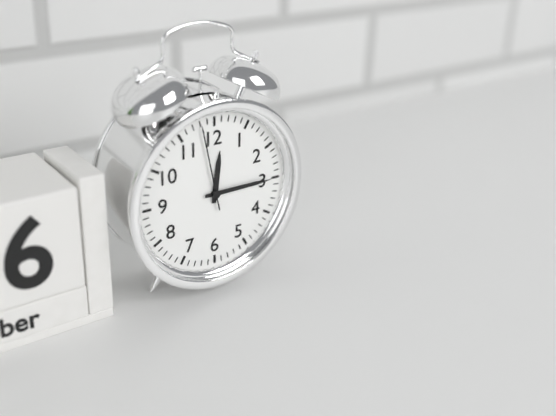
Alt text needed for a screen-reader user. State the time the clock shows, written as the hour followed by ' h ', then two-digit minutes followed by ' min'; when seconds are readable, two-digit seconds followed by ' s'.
12 h 15 min 58 s
